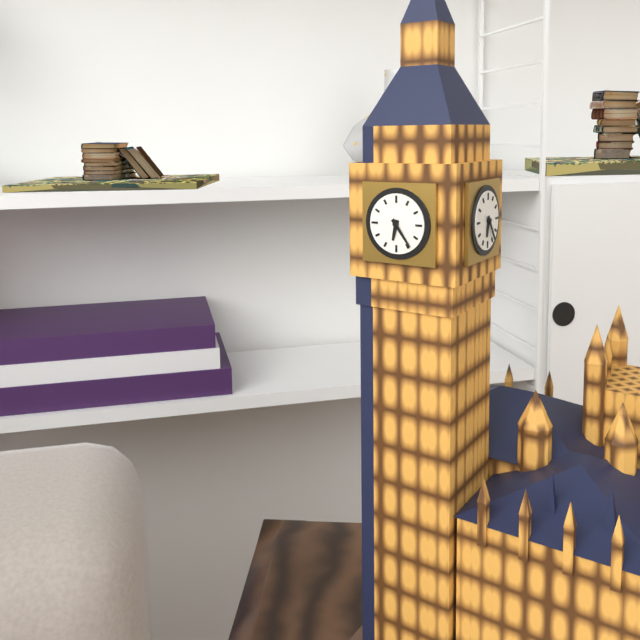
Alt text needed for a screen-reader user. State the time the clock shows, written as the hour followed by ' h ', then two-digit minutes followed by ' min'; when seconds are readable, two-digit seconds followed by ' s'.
6 h 24 min
